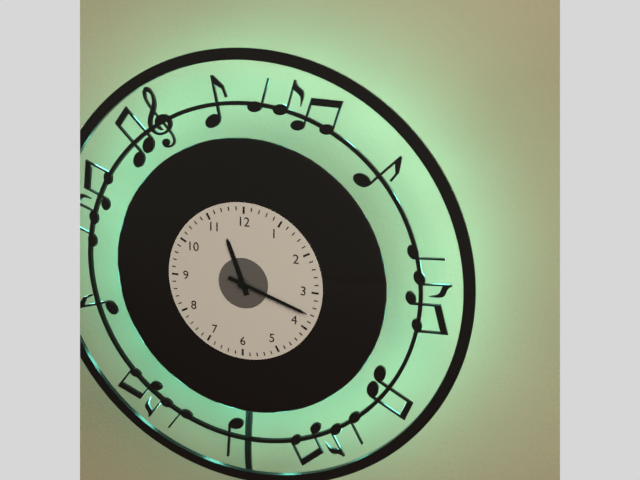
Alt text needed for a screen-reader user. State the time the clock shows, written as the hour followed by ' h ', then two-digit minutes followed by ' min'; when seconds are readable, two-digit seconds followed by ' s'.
11 h 18 min
